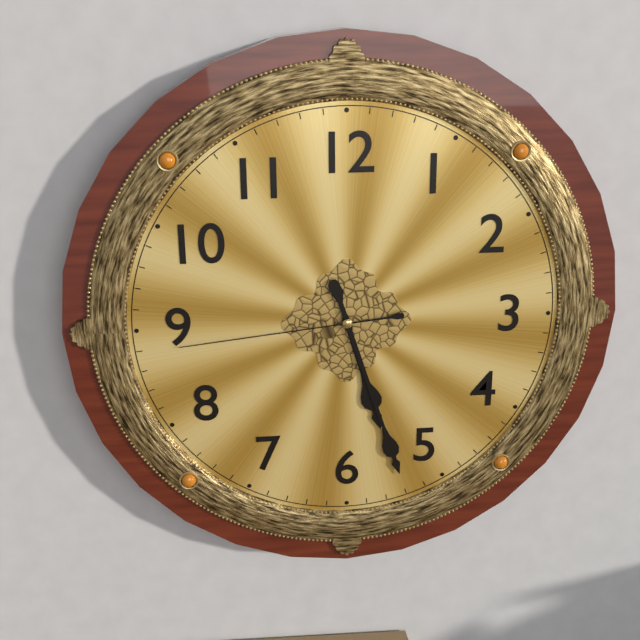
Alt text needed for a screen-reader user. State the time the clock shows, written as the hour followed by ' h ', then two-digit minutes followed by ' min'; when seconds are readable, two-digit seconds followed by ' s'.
5 h 27 min 44 s
